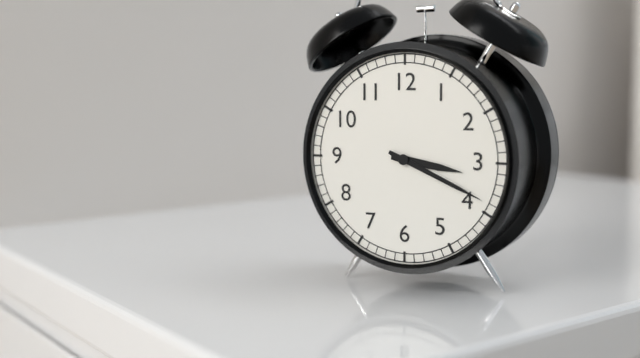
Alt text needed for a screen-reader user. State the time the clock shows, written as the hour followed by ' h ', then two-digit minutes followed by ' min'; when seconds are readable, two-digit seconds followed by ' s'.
3 h 19 min
